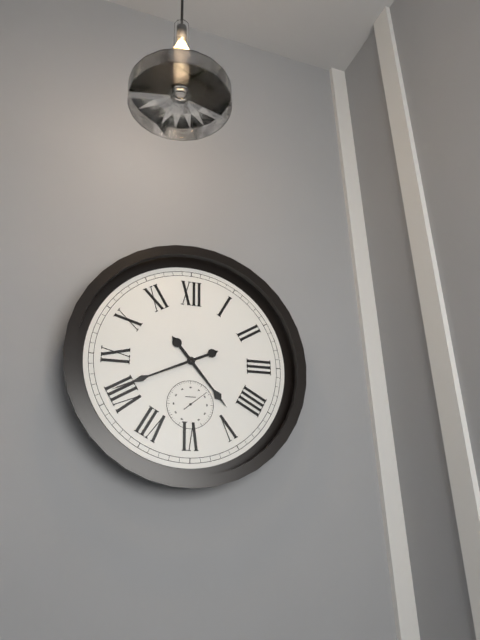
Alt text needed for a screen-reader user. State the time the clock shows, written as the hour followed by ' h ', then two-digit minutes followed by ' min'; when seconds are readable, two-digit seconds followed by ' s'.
4 h 41 min
